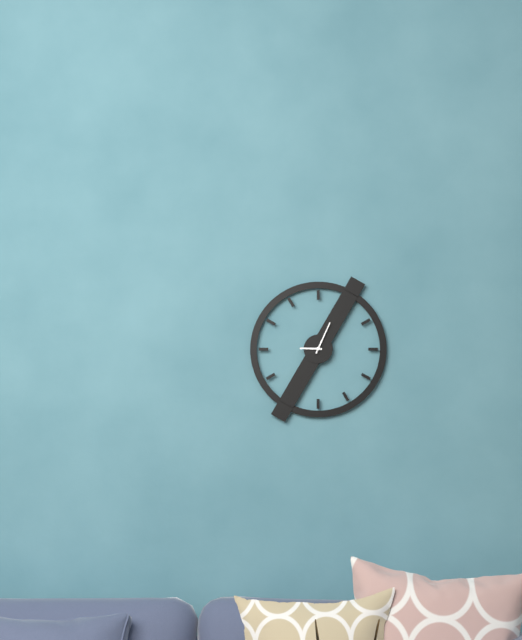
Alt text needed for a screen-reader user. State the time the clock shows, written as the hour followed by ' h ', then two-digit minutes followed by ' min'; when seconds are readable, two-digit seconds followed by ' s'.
9 h 04 min
